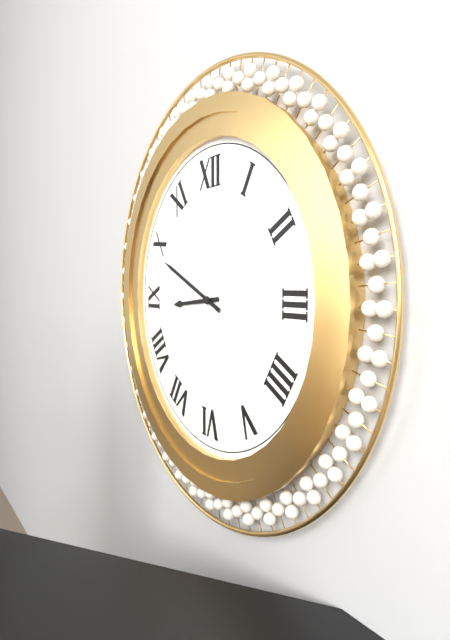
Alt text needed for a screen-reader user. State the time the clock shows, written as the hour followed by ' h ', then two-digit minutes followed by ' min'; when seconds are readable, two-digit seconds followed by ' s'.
8 h 49 min
